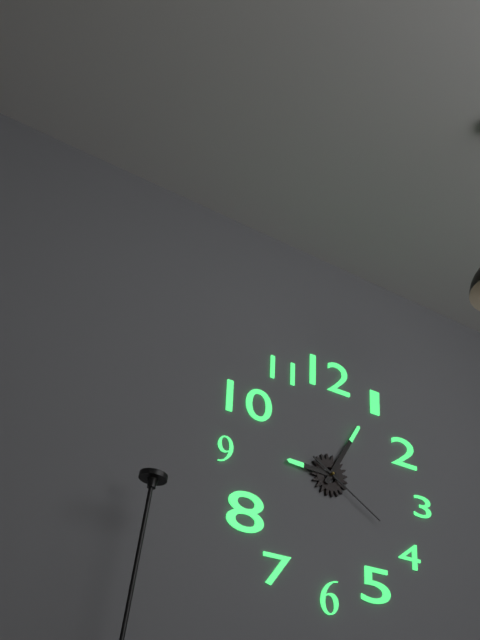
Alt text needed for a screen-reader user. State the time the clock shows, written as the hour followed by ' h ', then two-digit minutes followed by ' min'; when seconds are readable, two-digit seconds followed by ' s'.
9 h 05 min 20 s
